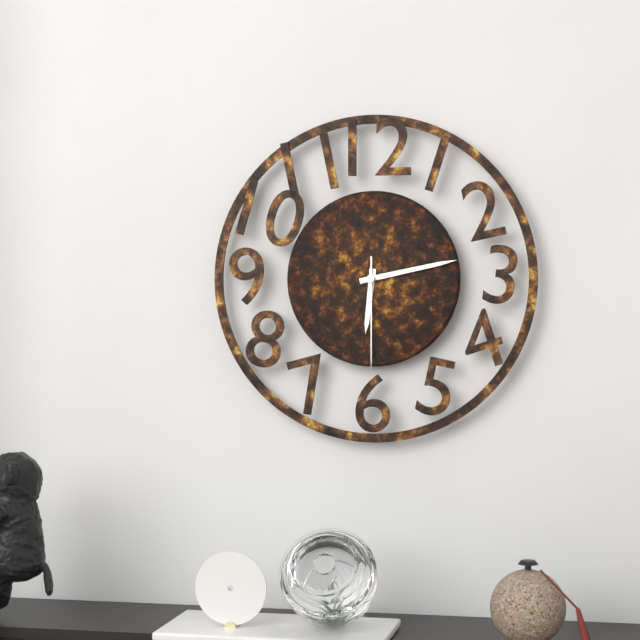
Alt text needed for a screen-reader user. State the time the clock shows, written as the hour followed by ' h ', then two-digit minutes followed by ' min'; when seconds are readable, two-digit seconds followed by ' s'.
6 h 13 min 30 s
